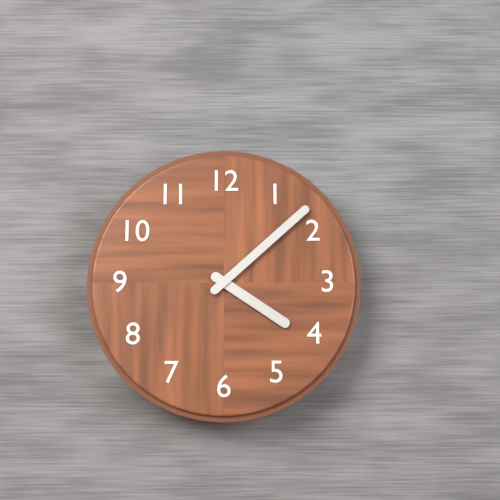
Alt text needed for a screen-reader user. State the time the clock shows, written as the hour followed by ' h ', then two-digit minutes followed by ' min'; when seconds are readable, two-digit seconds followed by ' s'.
4 h 08 min
